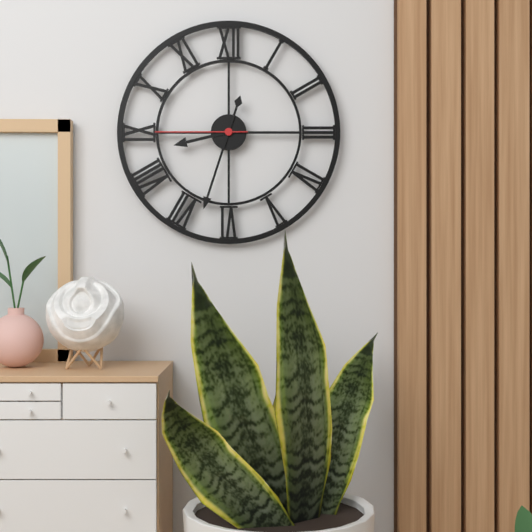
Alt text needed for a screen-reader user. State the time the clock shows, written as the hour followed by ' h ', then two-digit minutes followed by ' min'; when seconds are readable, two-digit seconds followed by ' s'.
8 h 33 min 45 s
